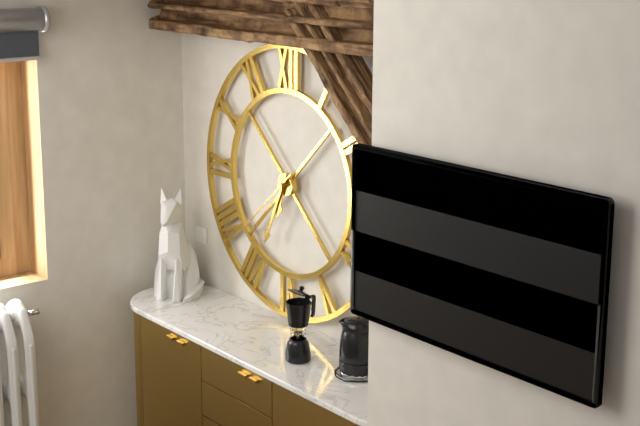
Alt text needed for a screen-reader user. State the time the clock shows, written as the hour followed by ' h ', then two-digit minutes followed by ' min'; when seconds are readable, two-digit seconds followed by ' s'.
6 h 34 min 38 s
